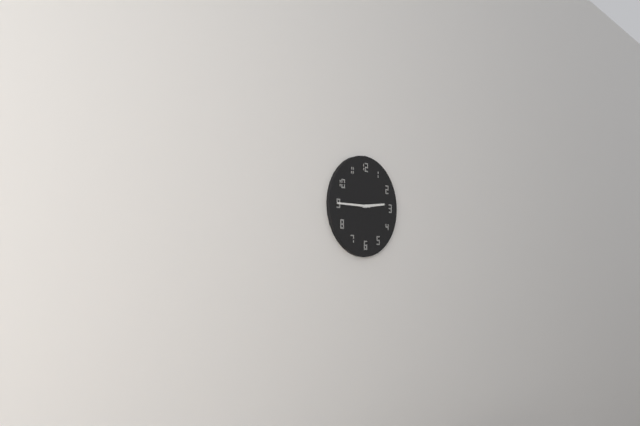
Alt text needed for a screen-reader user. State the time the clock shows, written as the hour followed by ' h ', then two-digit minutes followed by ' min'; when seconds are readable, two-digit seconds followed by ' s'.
2 h 45 min
